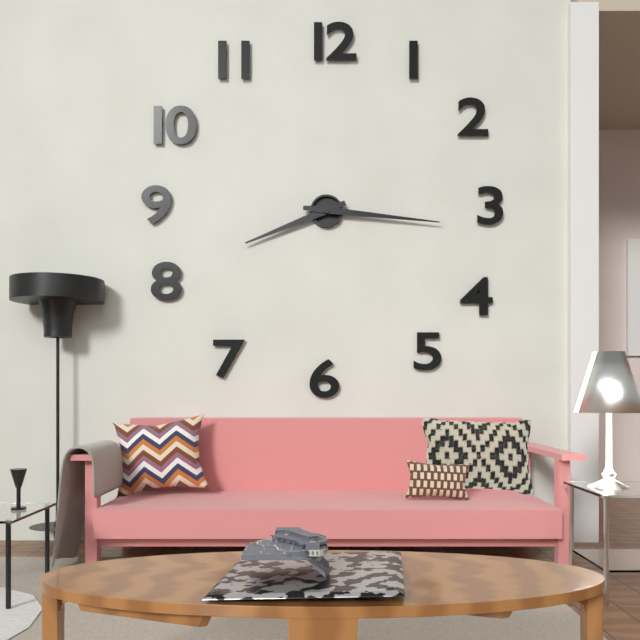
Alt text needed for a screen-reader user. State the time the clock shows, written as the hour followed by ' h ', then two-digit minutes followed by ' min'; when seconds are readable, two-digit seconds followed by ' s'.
8 h 16 min
